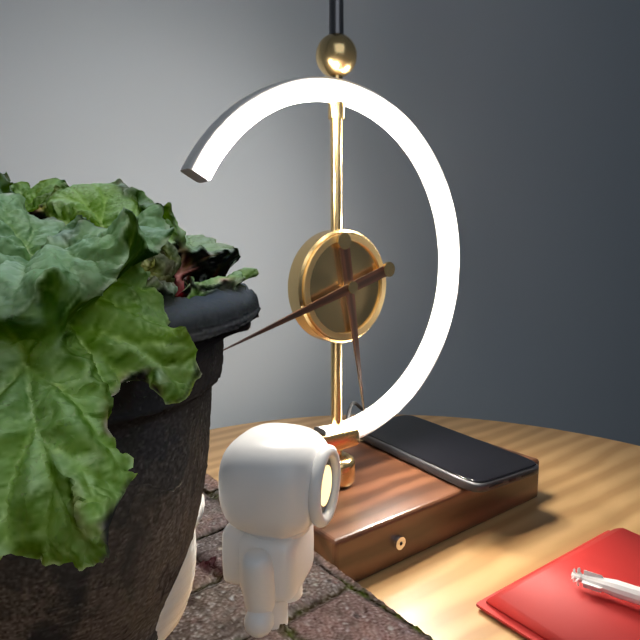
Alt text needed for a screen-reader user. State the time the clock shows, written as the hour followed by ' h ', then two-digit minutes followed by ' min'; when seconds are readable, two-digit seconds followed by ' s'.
5 h 42 min
